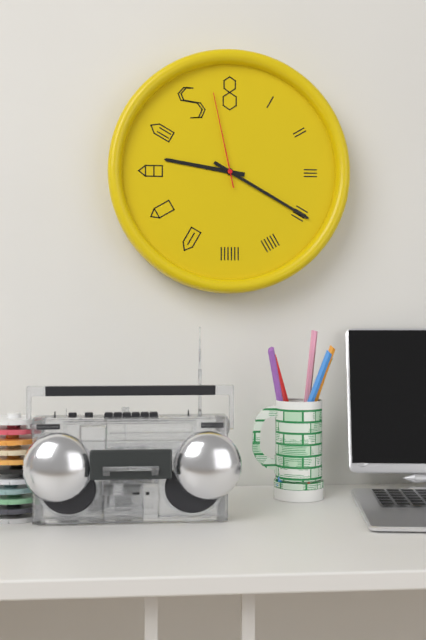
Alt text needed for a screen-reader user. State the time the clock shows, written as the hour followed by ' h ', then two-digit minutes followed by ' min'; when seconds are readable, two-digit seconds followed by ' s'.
9 h 20 min 58 s
